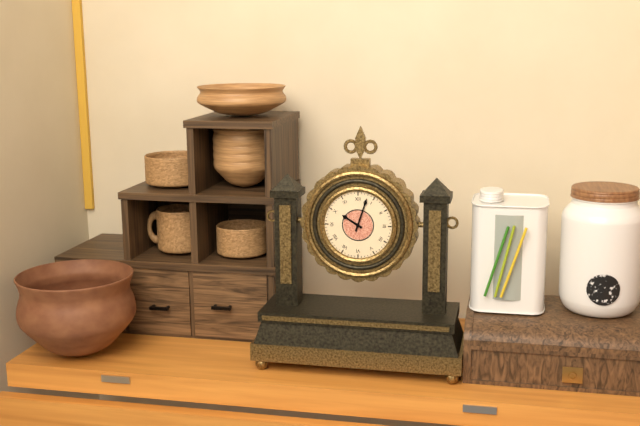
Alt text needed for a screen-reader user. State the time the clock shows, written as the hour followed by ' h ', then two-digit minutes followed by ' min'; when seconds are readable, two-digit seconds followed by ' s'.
10 h 03 min
